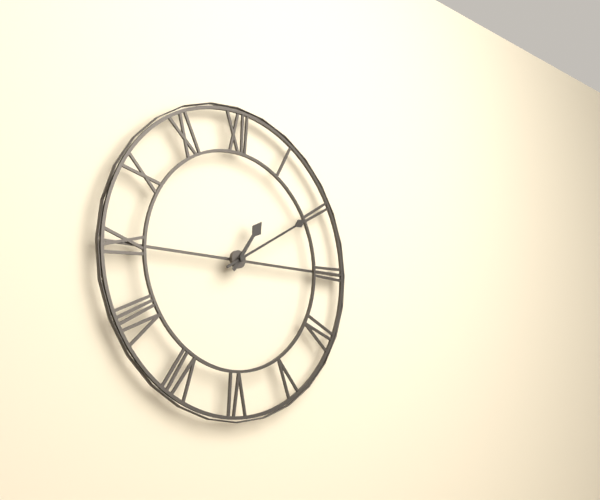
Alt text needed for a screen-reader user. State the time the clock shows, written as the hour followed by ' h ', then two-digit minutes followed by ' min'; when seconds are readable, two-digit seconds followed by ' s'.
1 h 10 min
